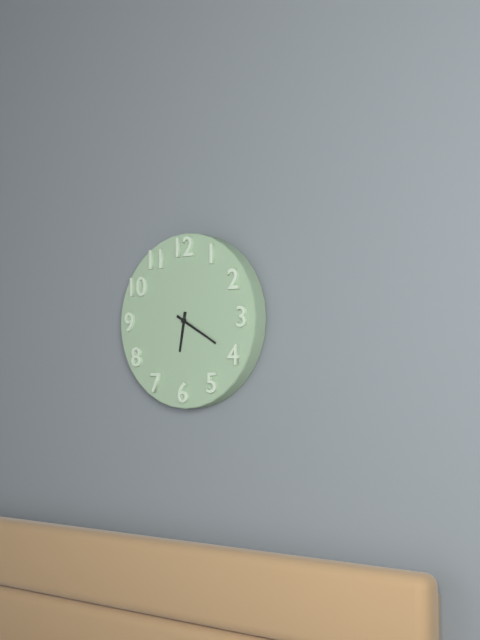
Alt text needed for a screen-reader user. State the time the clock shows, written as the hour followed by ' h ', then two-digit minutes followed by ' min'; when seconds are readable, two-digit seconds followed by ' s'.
6 h 20 min
